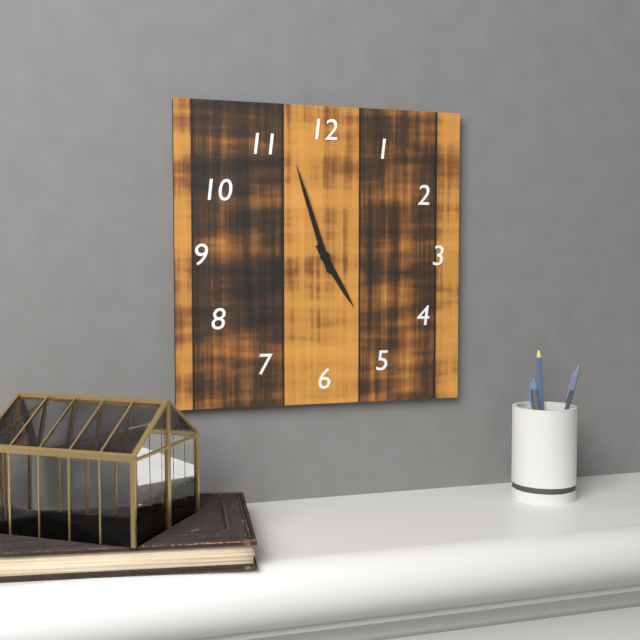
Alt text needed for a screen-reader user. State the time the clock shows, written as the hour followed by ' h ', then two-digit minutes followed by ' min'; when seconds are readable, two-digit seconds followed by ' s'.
4 h 57 min
